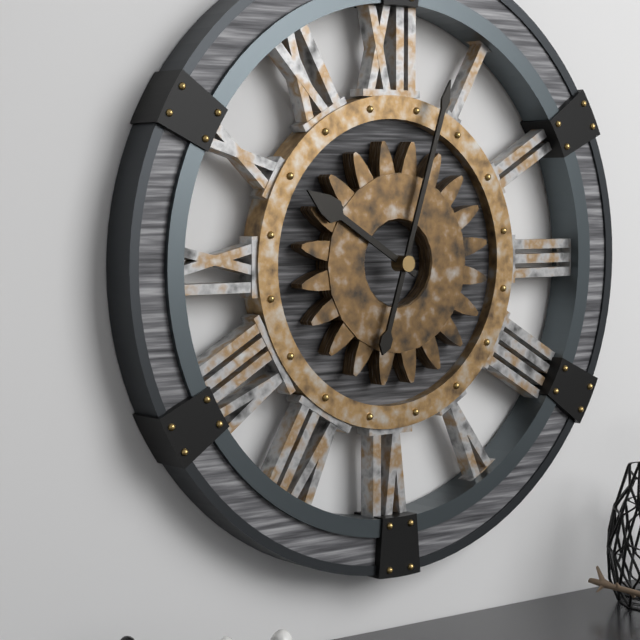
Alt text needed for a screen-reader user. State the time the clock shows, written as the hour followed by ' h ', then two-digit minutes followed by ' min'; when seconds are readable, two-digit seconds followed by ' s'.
10 h 03 min
